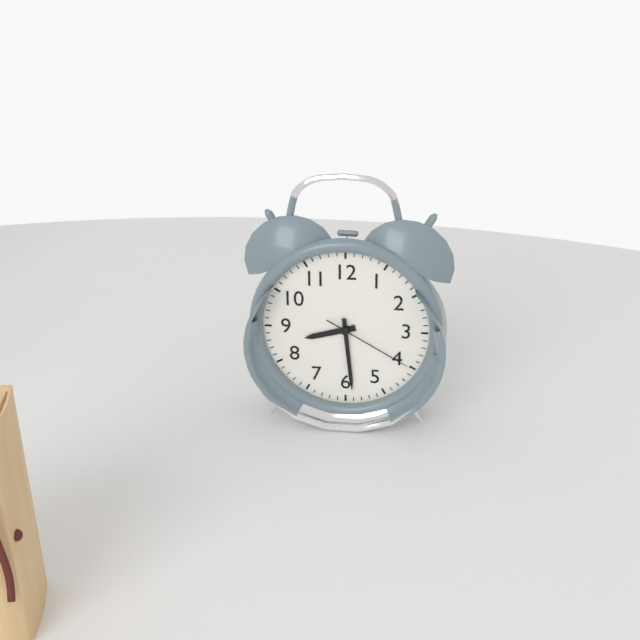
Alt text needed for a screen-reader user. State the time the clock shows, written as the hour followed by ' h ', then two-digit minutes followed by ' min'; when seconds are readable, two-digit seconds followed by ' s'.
8 h 29 min 20 s
